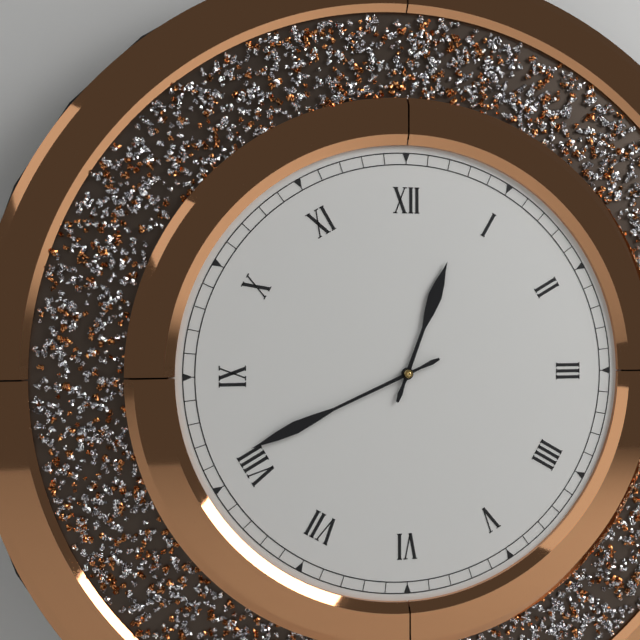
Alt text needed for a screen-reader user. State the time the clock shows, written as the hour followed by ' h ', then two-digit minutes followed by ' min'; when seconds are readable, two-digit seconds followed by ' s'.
12 h 41 min
